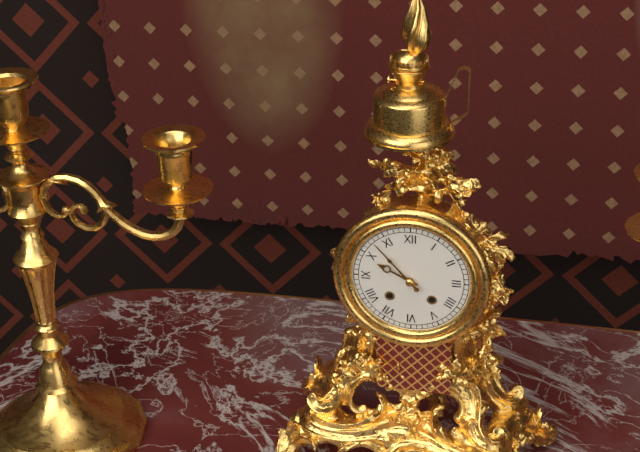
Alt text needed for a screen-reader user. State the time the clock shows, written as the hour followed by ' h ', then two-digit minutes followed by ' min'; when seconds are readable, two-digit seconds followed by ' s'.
9 h 53 min
